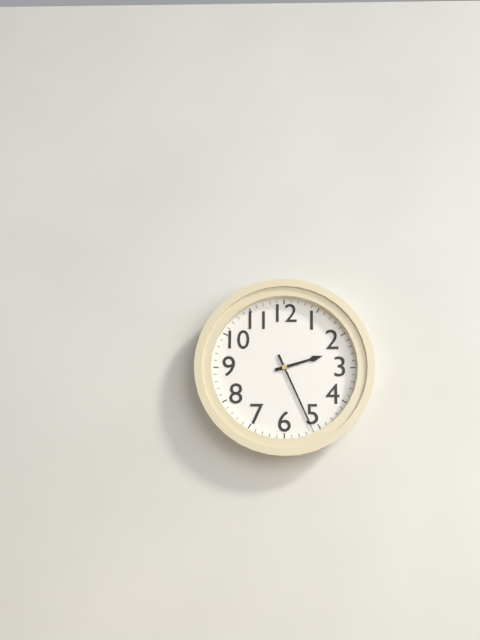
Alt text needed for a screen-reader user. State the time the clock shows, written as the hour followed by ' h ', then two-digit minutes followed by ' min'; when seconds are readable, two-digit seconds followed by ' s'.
2 h 26 min
